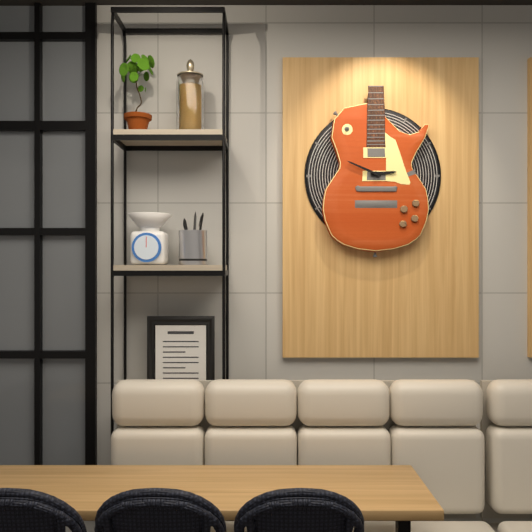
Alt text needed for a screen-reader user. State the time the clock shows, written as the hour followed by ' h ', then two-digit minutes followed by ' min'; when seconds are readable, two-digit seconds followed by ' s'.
2 h 49 min
